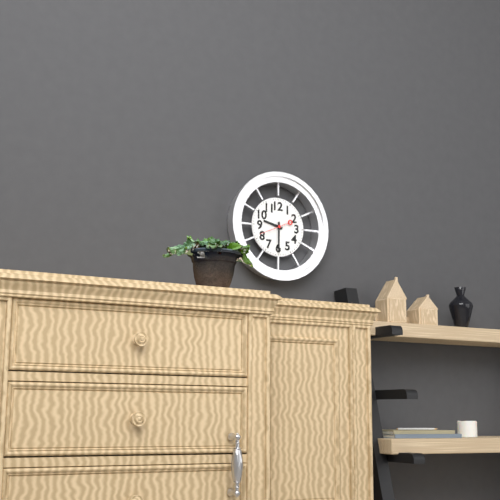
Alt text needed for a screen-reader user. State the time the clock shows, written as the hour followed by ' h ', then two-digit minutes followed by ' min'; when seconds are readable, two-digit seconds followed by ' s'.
9 h 30 min
